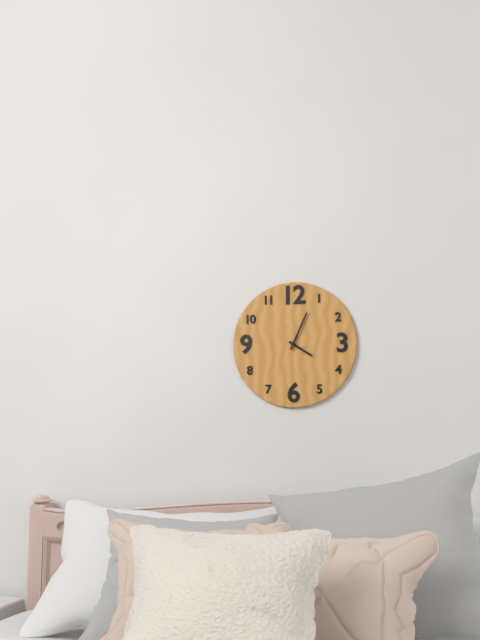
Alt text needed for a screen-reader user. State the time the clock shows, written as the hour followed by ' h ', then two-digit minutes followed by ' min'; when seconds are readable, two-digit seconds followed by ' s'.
4 h 04 min
